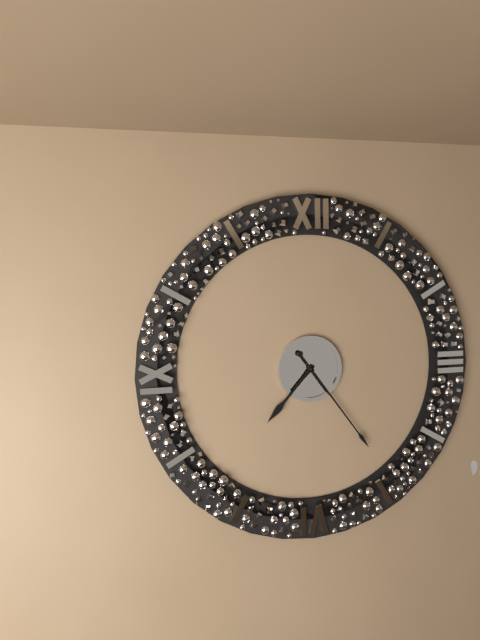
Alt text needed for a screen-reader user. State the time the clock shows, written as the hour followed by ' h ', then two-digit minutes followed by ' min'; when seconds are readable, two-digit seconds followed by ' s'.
7 h 24 min
